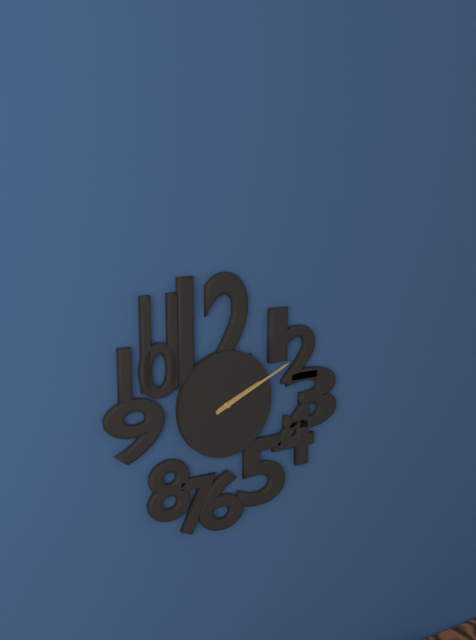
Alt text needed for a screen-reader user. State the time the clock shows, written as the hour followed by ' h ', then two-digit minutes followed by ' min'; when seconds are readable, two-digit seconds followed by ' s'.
2 h 11 min
